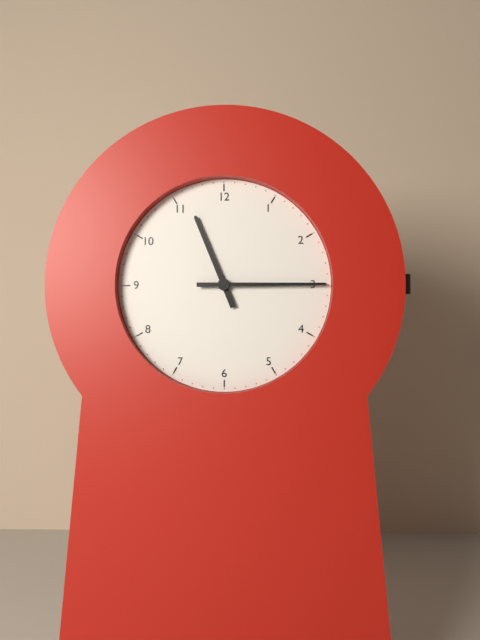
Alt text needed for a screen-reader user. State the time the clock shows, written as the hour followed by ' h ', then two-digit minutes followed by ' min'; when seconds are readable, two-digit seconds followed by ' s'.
11 h 15 min
